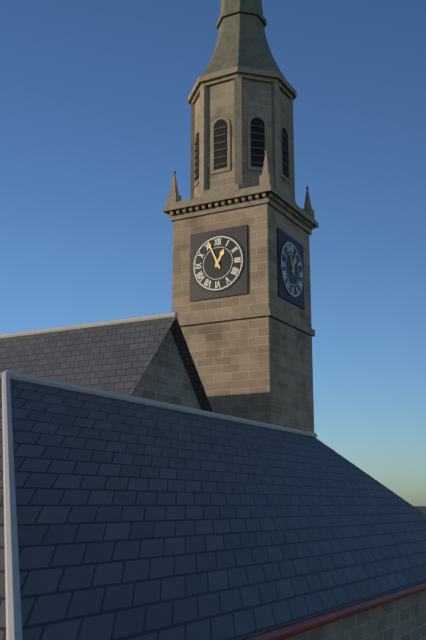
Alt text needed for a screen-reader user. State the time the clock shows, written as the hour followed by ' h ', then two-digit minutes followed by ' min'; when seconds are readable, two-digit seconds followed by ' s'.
12 h 56 min
